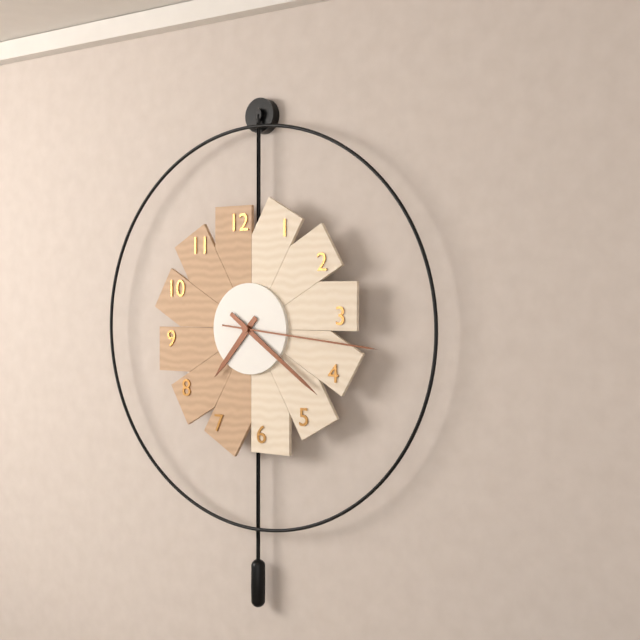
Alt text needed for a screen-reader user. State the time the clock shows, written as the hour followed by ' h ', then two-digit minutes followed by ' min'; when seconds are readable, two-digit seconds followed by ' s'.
7 h 21 min 16 s
